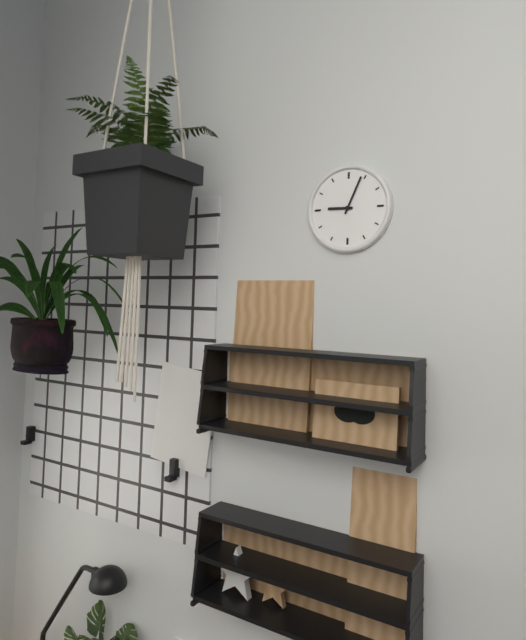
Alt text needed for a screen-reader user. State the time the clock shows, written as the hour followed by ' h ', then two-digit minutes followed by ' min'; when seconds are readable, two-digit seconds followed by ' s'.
9 h 04 min
